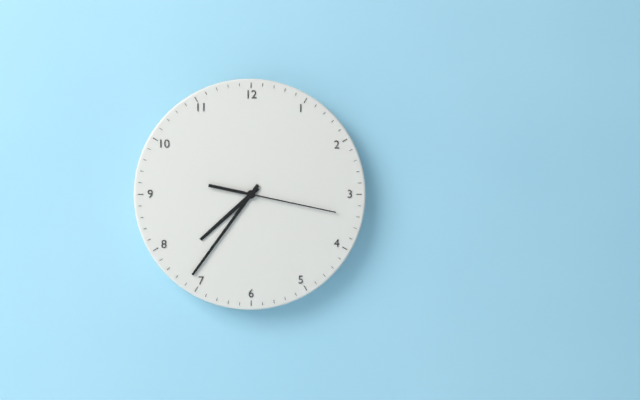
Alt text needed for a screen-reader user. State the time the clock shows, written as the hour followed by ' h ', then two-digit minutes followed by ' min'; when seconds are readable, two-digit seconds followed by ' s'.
7 h 36 min 17 s
